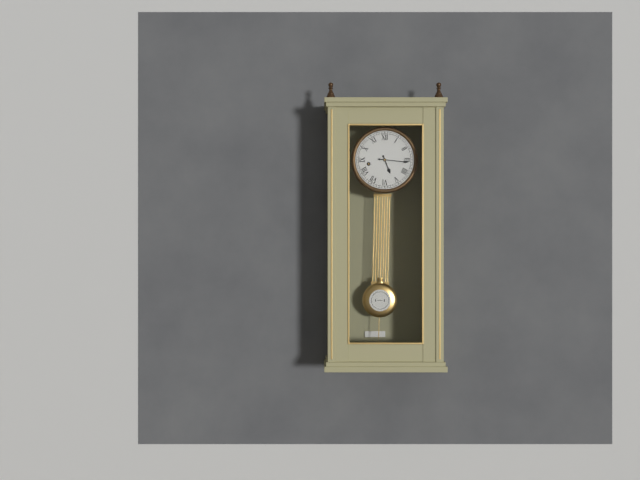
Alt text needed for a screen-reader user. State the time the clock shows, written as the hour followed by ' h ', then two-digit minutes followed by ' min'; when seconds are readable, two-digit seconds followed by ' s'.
5 h 16 min
